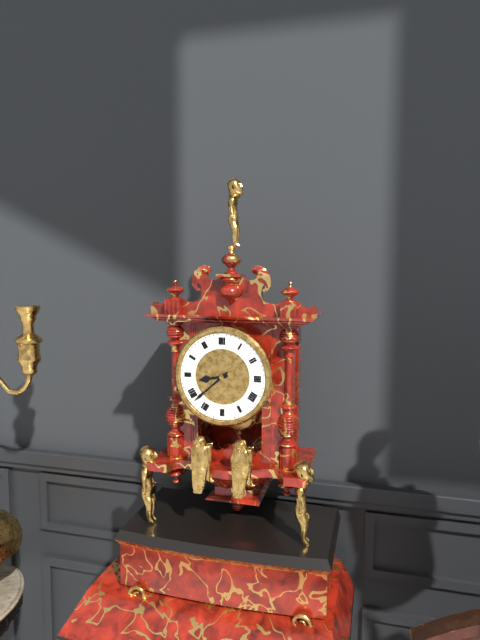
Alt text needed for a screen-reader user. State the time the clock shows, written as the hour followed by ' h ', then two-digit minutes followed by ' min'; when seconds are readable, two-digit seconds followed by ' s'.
8 h 38 min
